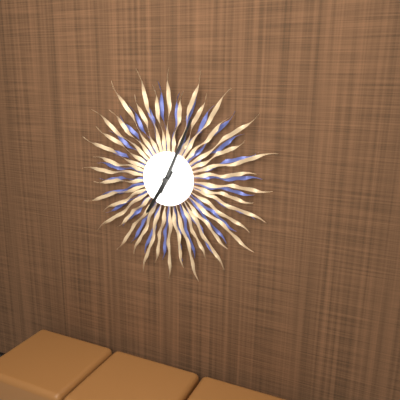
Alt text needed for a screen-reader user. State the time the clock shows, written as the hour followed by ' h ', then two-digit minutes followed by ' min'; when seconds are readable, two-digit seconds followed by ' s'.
7 h 04 min
